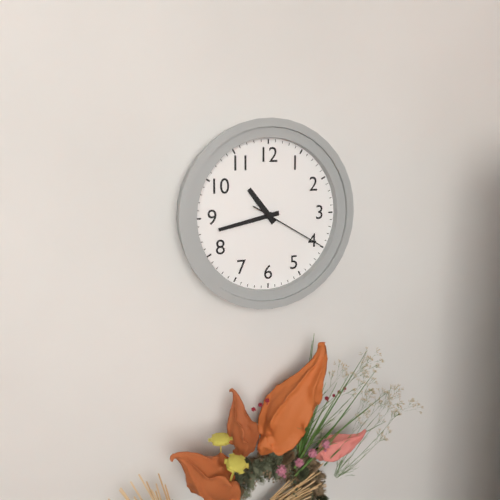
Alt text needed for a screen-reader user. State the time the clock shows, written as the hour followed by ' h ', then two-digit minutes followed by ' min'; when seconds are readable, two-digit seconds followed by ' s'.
10 h 43 min 20 s
